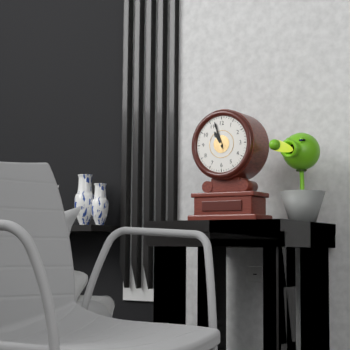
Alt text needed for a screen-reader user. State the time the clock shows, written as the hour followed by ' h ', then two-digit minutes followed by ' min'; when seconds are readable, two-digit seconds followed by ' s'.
10 h 57 min
